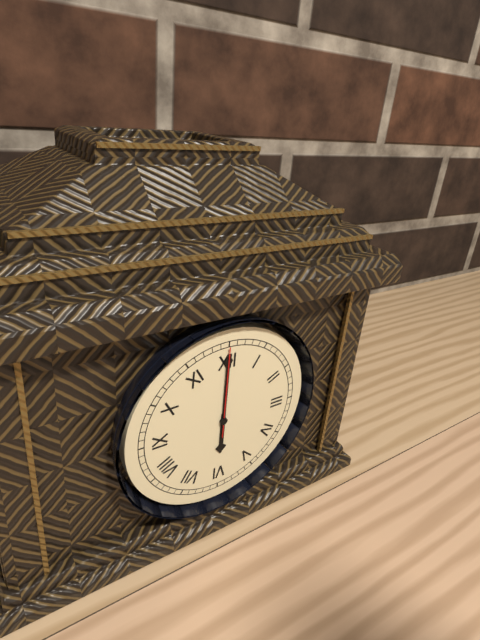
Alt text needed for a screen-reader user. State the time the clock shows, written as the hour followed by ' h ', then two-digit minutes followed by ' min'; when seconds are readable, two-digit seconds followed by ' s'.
6 h 00 min 00 s
